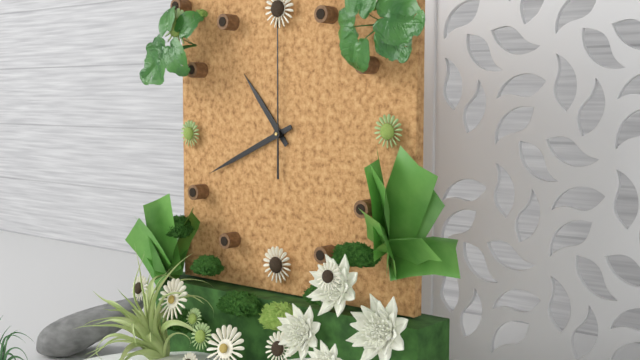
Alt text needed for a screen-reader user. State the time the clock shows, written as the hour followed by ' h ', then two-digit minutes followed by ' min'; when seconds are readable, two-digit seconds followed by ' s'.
10 h 41 min 00 s
